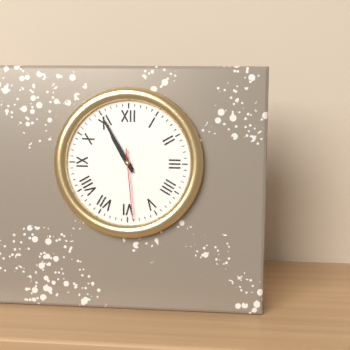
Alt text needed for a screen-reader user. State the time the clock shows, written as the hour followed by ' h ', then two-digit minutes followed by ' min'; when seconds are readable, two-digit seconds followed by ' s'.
10 h 55 min 29 s
